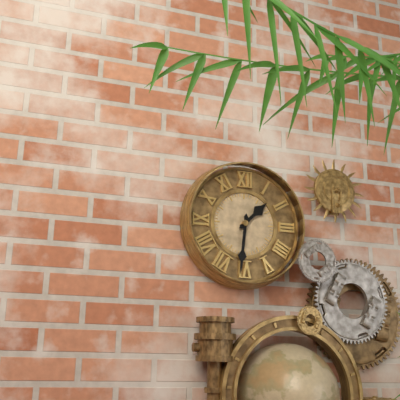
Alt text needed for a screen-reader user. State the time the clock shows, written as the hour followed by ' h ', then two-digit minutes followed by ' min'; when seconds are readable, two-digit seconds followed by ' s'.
1 h 31 min
